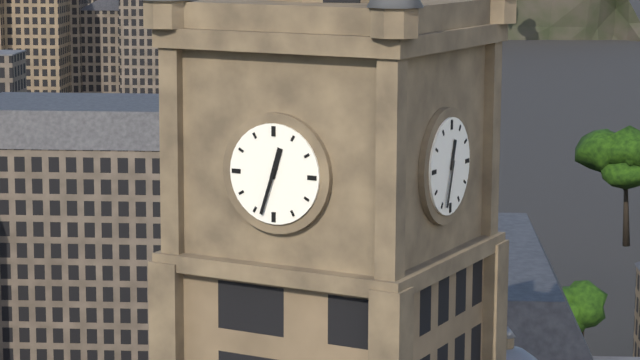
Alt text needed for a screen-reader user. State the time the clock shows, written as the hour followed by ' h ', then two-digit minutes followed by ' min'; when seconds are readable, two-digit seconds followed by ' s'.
12 h 33 min
